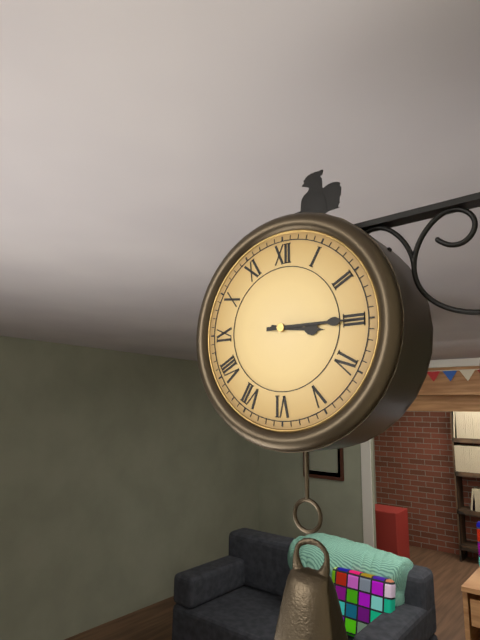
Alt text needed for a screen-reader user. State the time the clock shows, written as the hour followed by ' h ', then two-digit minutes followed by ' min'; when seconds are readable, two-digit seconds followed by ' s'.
3 h 15 min
